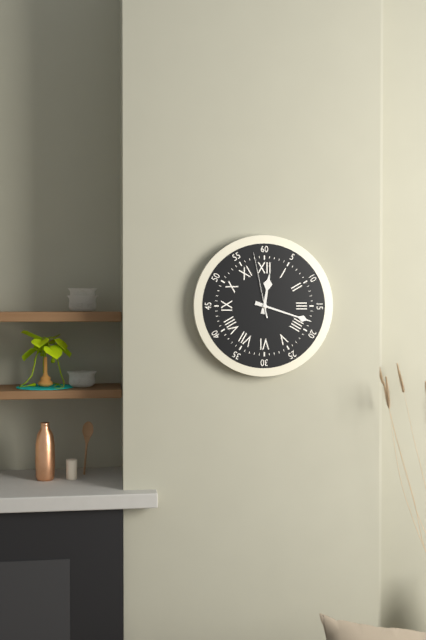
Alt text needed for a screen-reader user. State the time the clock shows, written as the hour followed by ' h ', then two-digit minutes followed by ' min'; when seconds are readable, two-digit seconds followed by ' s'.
12 h 18 min 58 s
